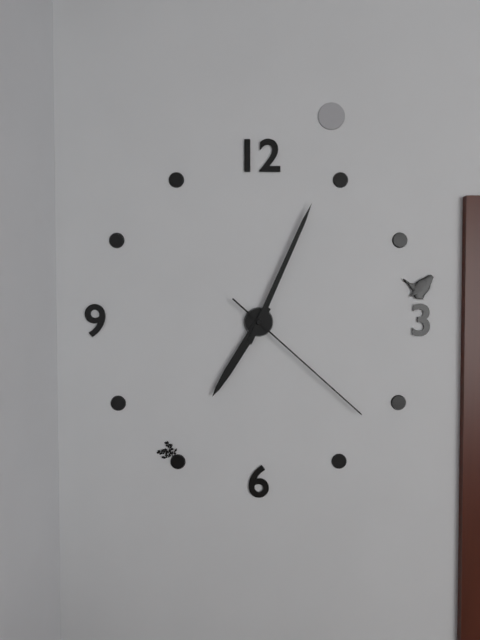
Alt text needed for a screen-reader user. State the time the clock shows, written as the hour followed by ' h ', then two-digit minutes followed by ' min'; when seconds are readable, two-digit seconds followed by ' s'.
7 h 04 min 22 s
